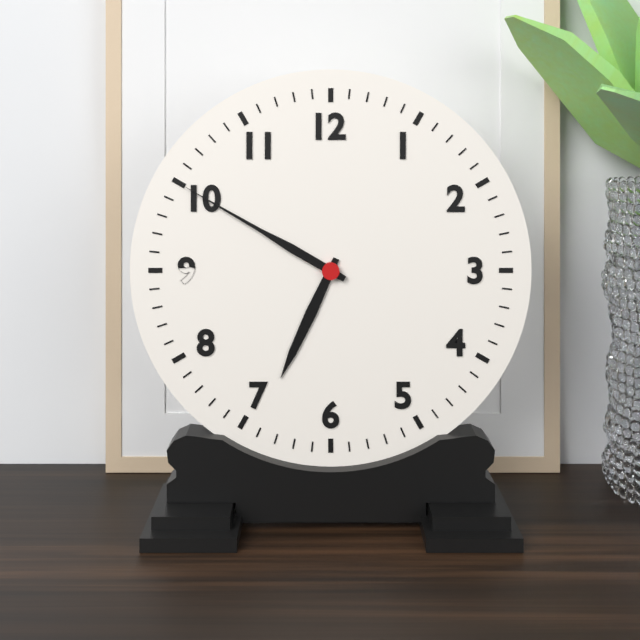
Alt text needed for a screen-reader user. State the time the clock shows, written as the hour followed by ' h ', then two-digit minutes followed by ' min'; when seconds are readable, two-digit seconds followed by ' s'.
6 h 50 min
